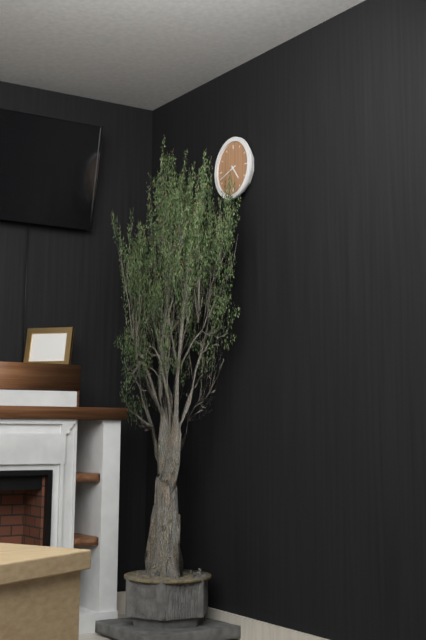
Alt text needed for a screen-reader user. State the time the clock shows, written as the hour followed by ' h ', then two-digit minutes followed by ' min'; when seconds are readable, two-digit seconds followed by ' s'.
4 h 42 min
